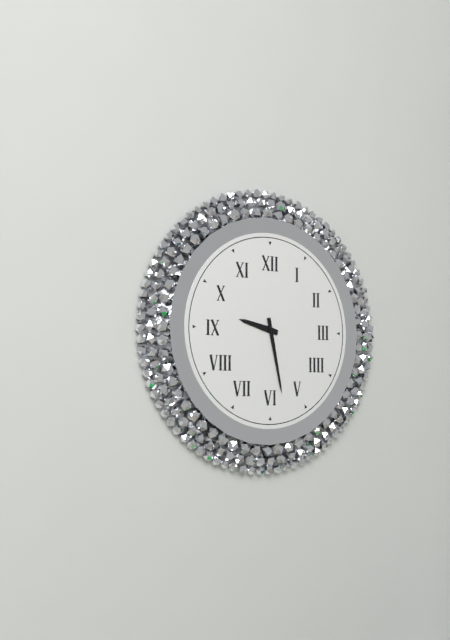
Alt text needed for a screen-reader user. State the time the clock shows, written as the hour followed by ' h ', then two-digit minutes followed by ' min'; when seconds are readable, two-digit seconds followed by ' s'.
9 h 28 min
